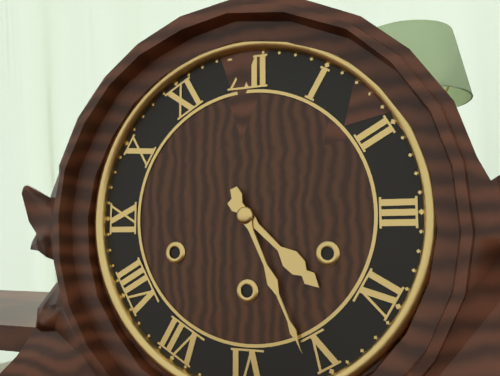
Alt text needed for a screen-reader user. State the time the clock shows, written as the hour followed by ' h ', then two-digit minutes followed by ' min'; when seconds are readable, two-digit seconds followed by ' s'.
4 h 26 min
